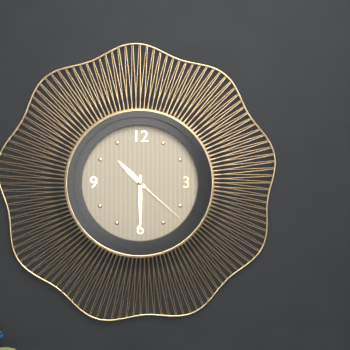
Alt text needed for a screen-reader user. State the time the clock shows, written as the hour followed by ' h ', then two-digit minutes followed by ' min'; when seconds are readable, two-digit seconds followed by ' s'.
10 h 30 min 22 s
